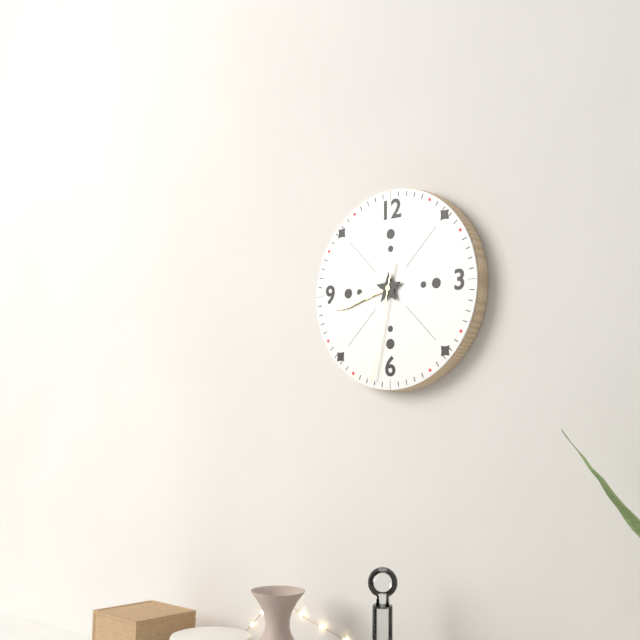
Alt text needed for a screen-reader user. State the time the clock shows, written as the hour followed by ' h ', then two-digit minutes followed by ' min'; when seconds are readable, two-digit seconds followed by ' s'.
8 h 43 min 32 s
